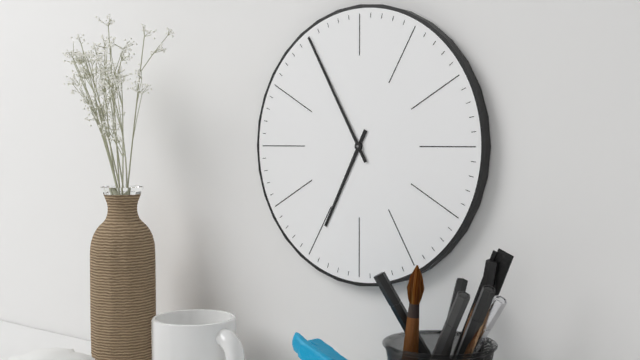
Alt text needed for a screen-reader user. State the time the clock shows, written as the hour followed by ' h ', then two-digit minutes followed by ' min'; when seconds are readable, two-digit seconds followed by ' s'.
6 h 55 min
